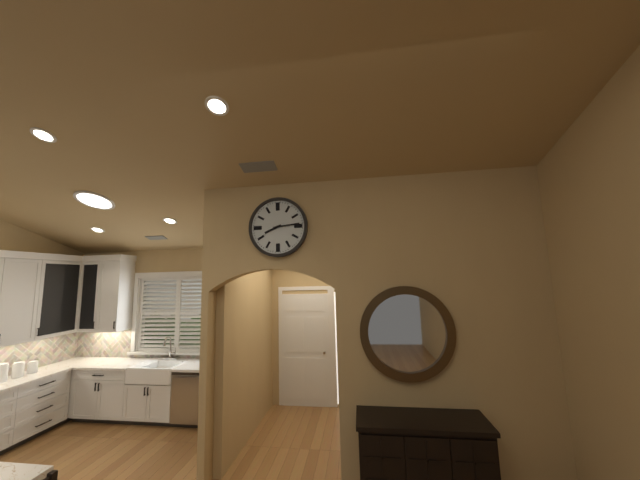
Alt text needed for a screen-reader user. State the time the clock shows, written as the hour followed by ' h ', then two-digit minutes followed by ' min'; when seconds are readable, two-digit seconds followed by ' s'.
8 h 14 min
